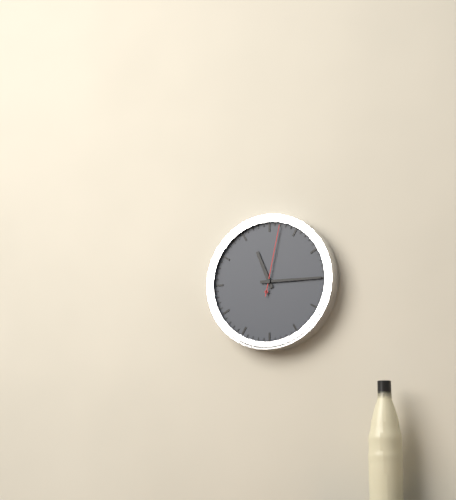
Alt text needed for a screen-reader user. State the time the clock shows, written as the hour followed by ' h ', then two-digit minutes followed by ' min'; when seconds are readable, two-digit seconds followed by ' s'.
11 h 15 min 02 s
